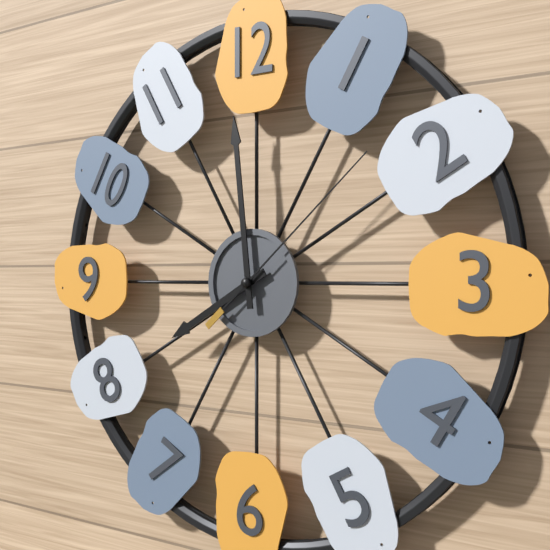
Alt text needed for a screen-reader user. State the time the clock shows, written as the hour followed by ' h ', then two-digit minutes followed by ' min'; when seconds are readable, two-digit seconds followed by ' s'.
7 h 59 min 08 s
